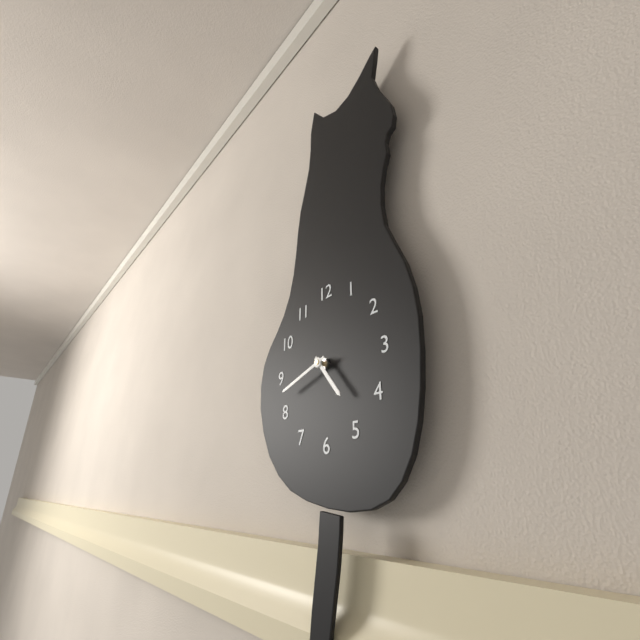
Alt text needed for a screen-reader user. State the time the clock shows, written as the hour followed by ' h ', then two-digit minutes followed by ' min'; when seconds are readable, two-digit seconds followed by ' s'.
4 h 42 min
